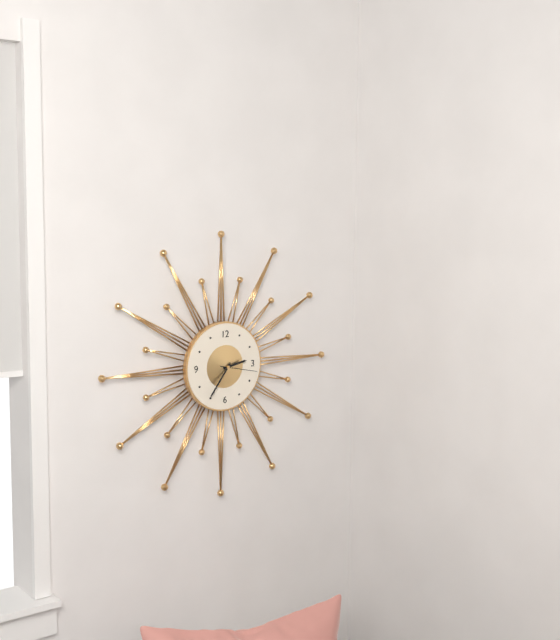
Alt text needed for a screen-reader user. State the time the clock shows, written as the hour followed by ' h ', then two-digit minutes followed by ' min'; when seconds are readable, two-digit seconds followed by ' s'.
2 h 36 min
